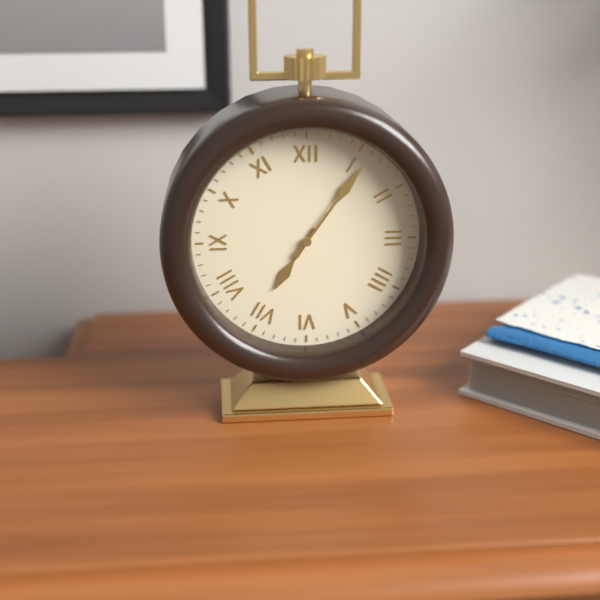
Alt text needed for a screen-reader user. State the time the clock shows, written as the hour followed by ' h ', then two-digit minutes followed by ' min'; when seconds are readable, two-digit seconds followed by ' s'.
7 h 06 min
